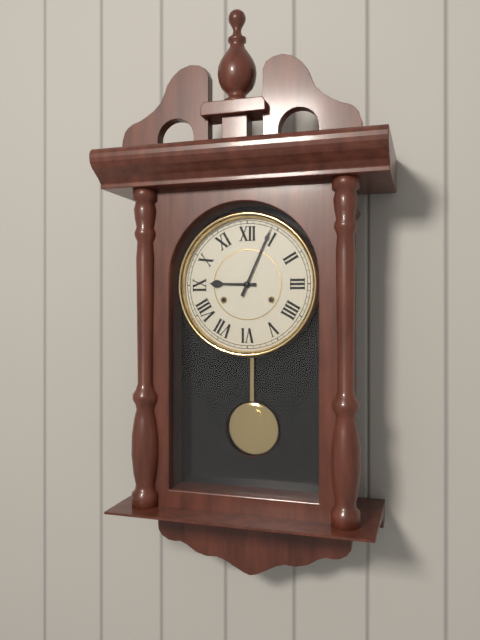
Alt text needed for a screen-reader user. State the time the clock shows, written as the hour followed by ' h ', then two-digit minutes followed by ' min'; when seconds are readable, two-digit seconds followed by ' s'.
9 h 04 min
